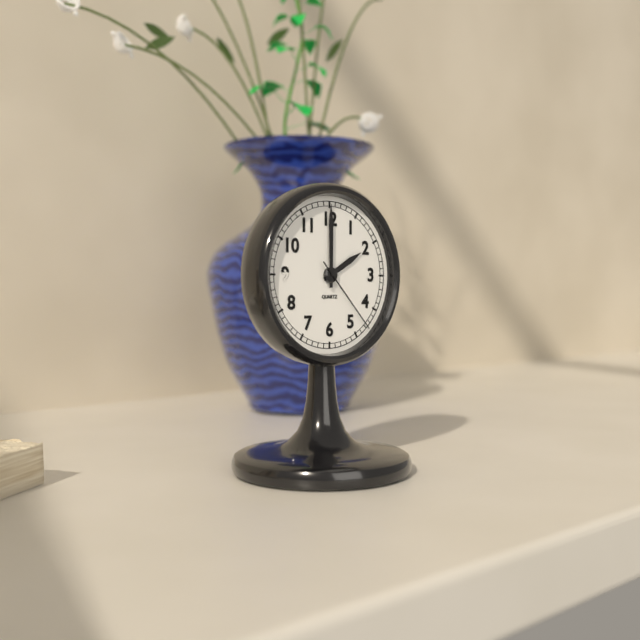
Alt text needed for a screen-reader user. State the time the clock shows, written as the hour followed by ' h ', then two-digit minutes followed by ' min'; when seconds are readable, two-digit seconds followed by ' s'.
2 h 00 min 23 s
